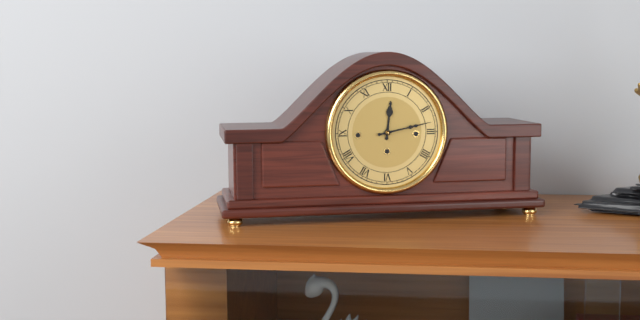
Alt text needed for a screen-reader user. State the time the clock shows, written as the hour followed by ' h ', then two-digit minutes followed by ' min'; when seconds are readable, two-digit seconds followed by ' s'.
12 h 13 min
